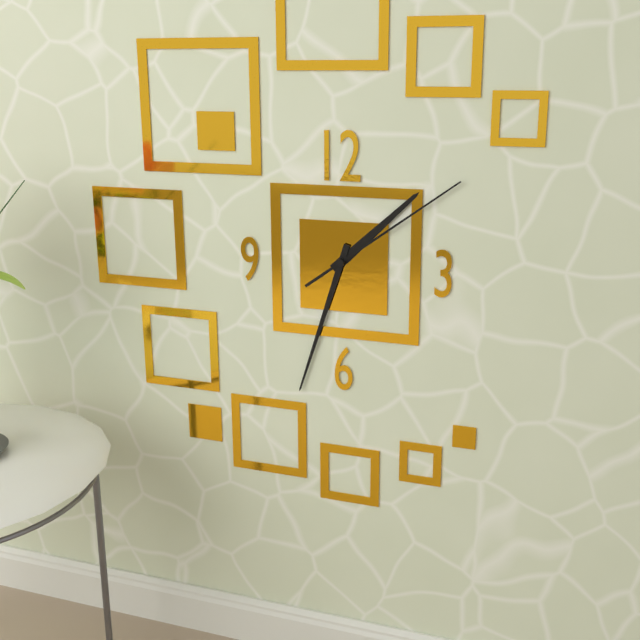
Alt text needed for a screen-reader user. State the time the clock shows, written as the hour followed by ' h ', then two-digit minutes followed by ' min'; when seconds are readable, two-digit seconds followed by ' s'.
1 h 33 min 09 s
